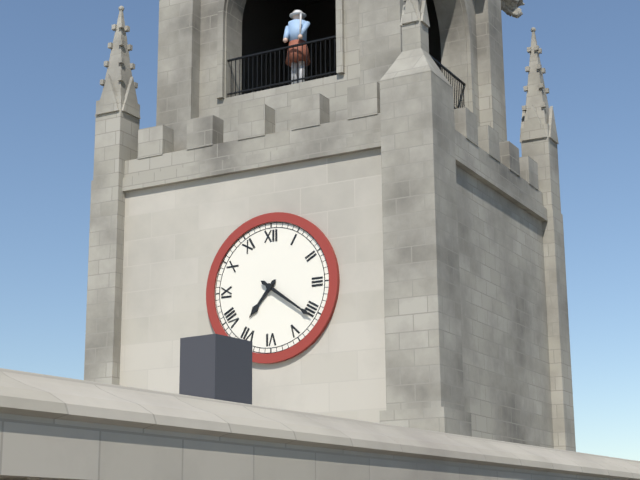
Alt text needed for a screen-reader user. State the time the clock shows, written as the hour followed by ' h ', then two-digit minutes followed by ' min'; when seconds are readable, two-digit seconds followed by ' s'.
7 h 21 min
